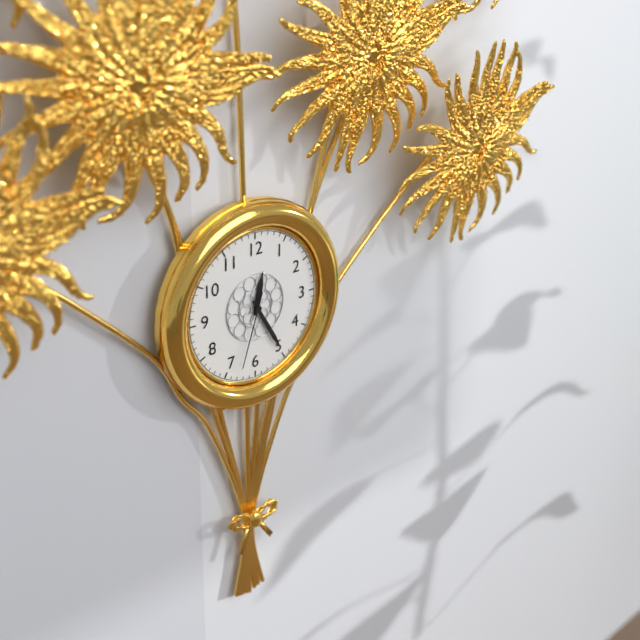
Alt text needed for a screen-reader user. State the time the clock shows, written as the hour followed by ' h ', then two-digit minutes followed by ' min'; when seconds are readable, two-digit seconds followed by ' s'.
12 h 25 min 33 s
